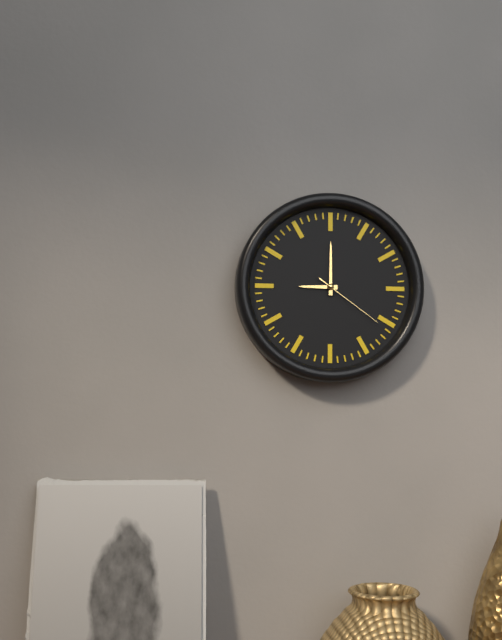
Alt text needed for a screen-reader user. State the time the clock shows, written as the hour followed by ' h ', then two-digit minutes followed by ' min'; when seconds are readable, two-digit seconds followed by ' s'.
9 h 00 min 21 s
